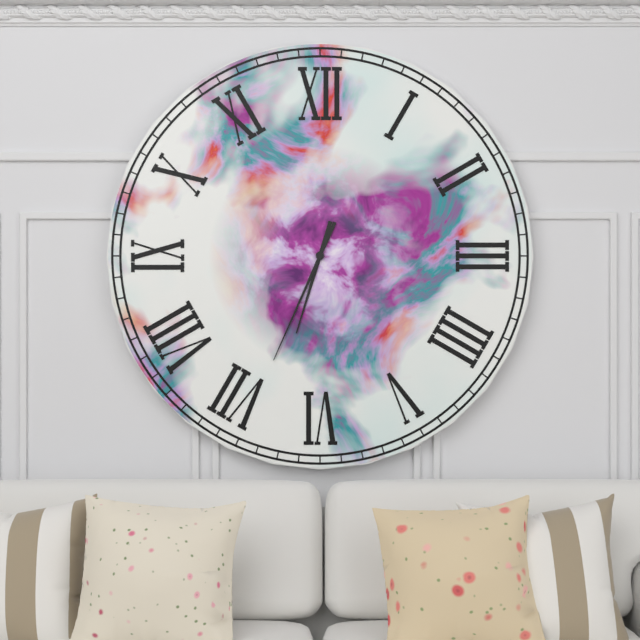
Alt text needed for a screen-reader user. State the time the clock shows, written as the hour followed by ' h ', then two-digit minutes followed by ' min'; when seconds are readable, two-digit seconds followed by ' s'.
6 h 34 min
